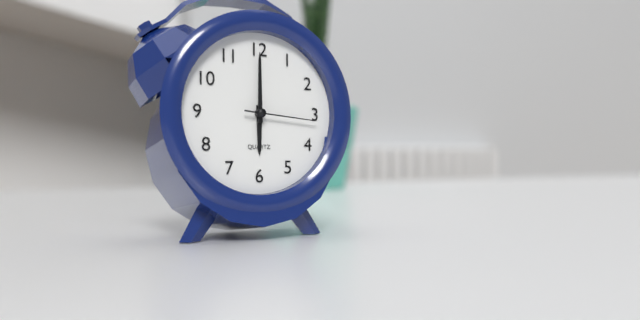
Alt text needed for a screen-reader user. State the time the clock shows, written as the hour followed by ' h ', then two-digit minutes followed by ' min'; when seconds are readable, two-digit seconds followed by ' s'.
6 h 00 min 16 s
